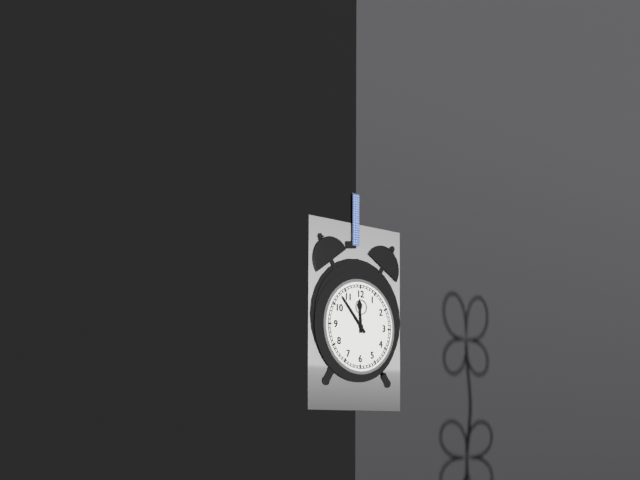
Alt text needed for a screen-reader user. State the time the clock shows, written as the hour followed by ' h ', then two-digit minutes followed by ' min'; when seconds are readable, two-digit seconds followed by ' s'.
11 h 53 min
